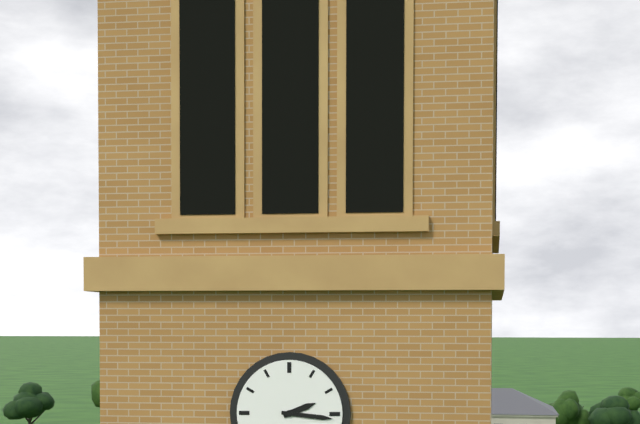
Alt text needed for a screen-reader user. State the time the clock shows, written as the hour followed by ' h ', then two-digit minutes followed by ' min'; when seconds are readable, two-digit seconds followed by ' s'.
2 h 16 min
